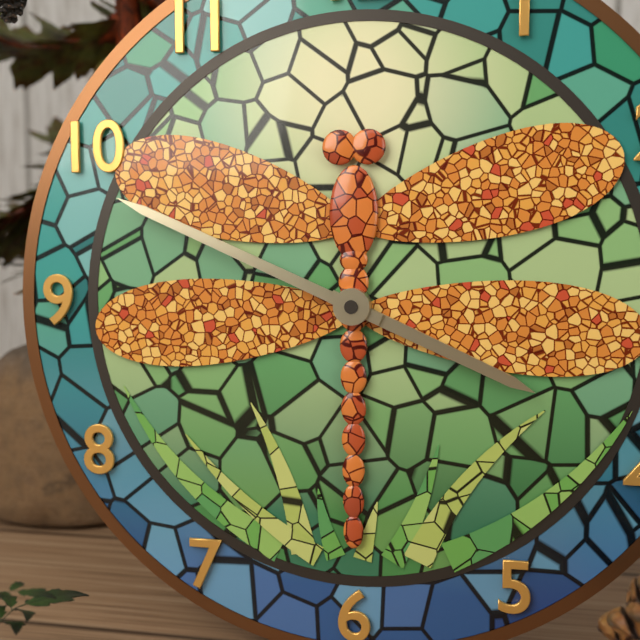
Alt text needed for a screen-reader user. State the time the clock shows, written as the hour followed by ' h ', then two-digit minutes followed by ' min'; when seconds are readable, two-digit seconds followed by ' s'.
3 h 49 min
